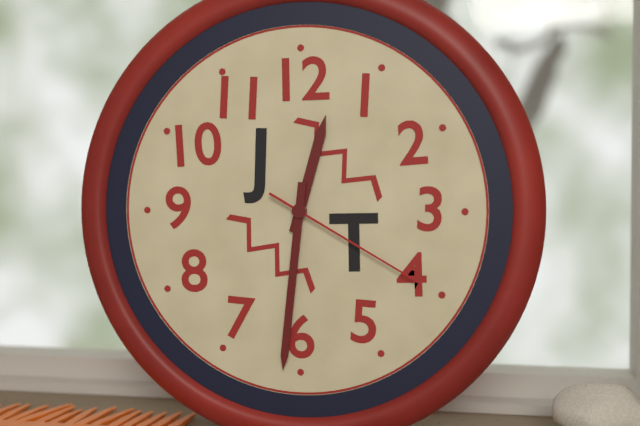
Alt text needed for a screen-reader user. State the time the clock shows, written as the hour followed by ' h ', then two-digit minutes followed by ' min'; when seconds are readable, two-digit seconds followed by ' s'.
12 h 31 min 20 s
